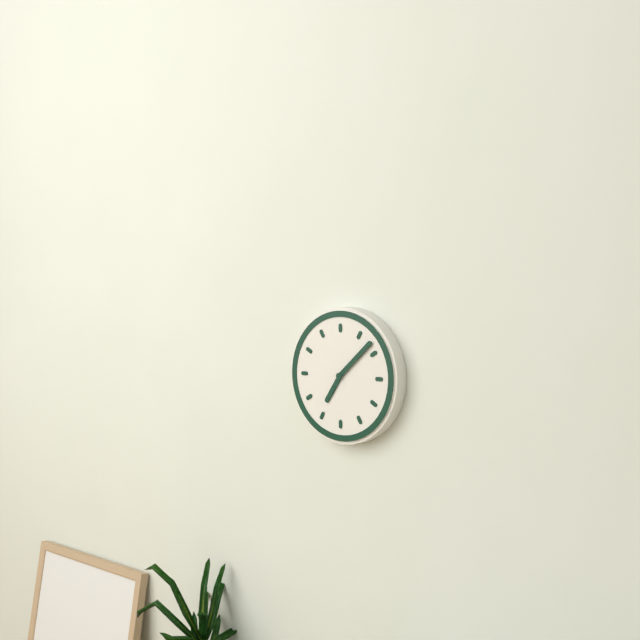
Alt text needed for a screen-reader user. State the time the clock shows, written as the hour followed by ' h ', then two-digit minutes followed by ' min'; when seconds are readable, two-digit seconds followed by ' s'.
7 h 08 min
